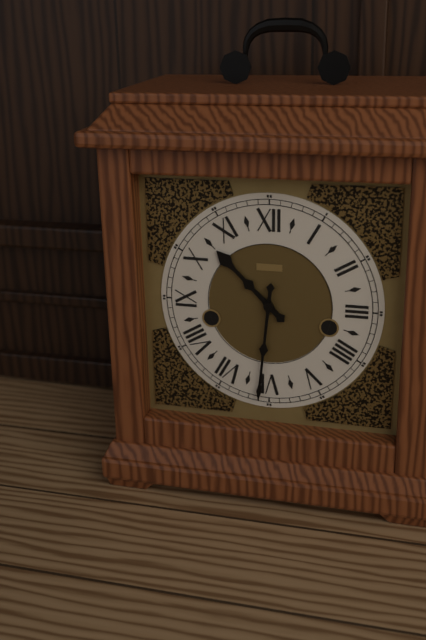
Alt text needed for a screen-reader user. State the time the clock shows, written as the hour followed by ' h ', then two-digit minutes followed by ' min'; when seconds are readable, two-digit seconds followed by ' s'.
10 h 31 min
